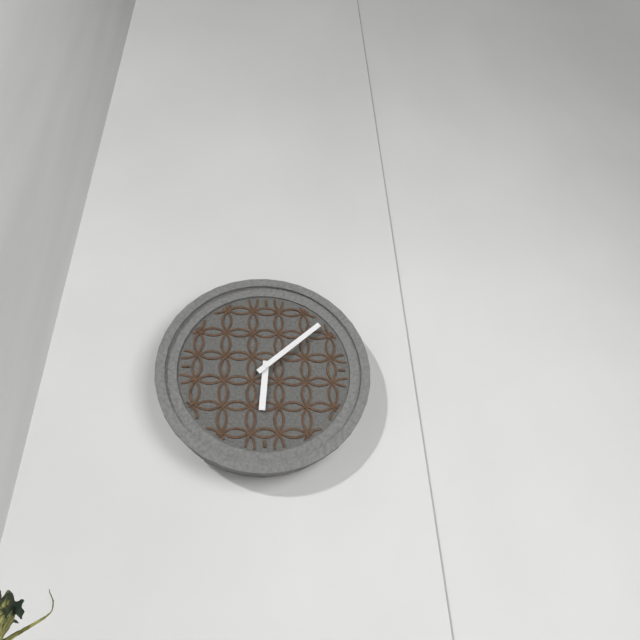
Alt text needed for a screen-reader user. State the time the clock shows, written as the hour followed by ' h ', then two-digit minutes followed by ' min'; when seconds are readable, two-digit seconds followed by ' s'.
6 h 08 min
